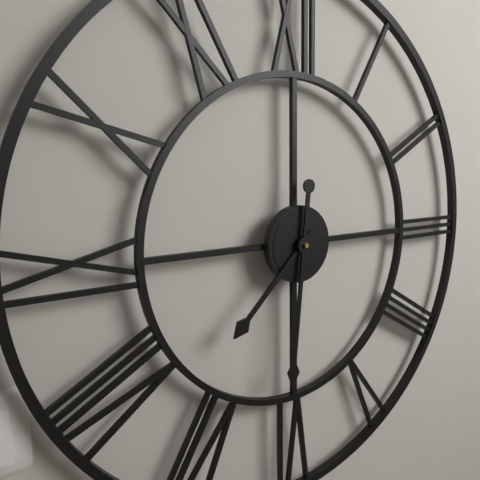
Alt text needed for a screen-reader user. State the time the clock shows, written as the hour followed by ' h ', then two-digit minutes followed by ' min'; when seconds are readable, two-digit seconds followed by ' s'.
7 h 31 min
